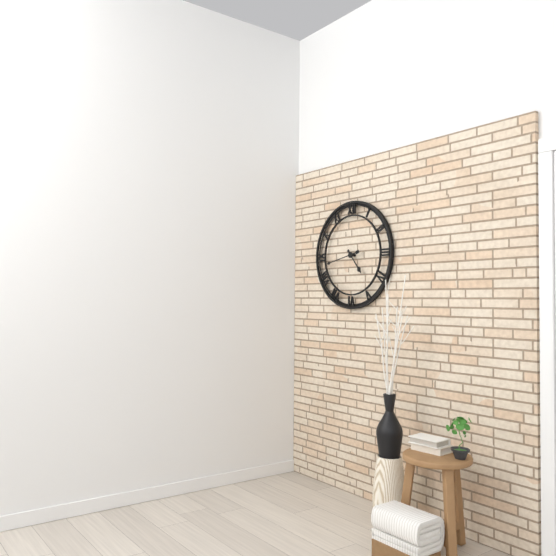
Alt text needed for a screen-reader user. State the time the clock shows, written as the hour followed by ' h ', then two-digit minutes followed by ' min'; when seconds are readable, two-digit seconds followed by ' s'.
4 h 43 min
